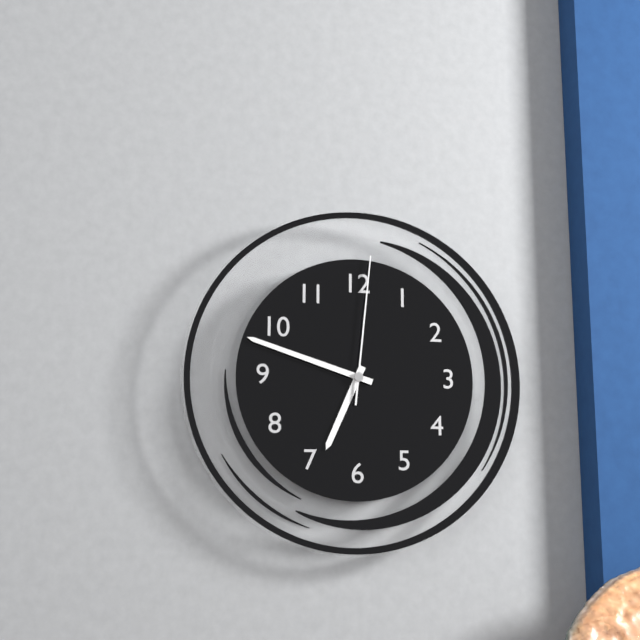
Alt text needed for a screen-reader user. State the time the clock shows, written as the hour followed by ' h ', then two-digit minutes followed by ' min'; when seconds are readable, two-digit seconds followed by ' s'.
6 h 48 min 01 s
